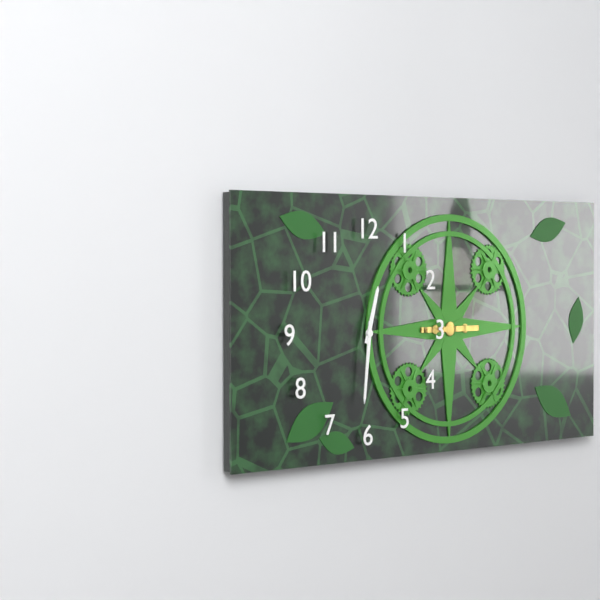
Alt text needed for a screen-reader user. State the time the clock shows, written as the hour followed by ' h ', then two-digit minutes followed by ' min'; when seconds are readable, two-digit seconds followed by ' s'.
12 h 31 min
